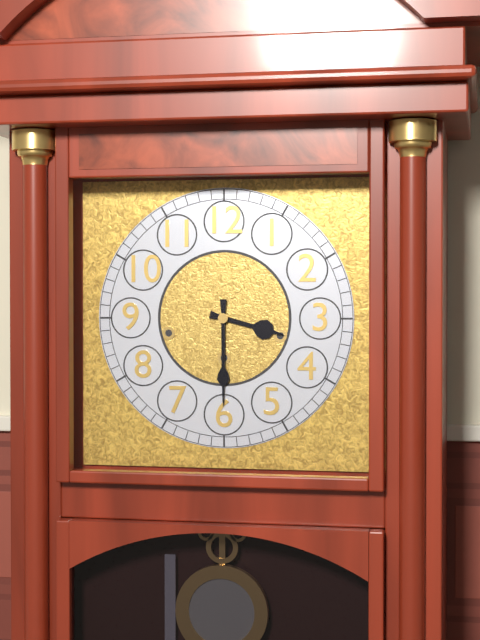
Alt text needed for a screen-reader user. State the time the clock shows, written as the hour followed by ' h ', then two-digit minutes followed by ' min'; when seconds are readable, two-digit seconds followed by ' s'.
3 h 30 min
